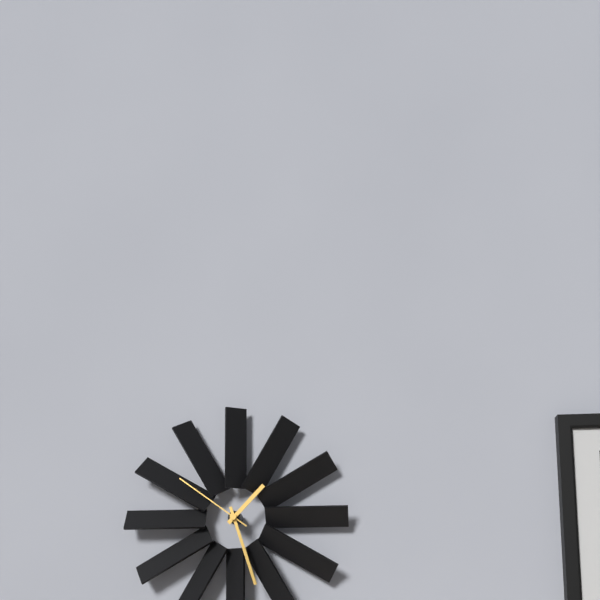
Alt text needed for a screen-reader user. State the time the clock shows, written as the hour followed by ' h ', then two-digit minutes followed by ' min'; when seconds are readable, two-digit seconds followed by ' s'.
1 h 27 min 51 s
